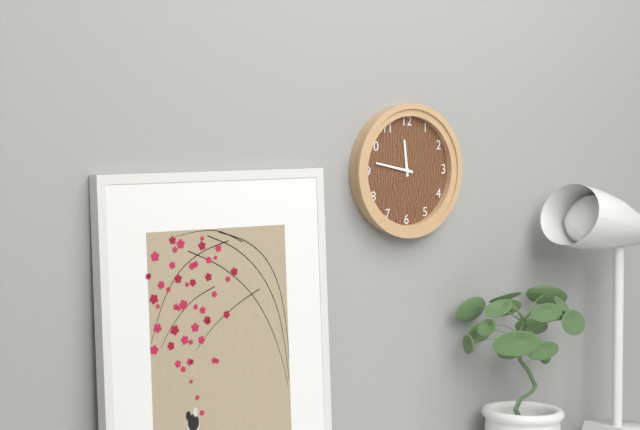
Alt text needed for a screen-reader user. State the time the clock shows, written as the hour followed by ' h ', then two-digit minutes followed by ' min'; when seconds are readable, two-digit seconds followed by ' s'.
11 h 47 min
